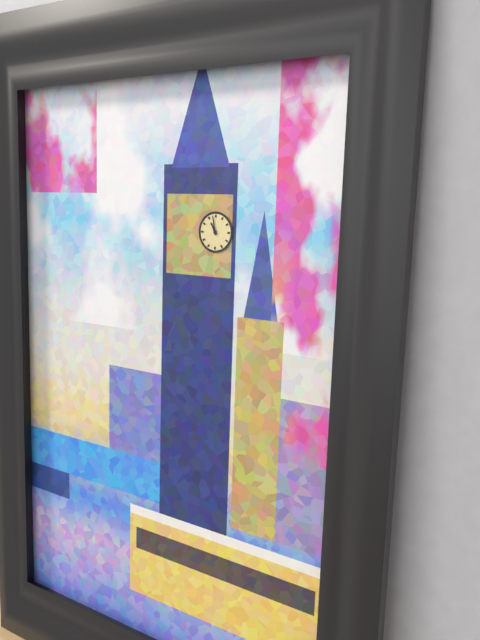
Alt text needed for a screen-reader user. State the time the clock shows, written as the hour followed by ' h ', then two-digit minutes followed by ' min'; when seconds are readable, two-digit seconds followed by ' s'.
10 h 58 min
